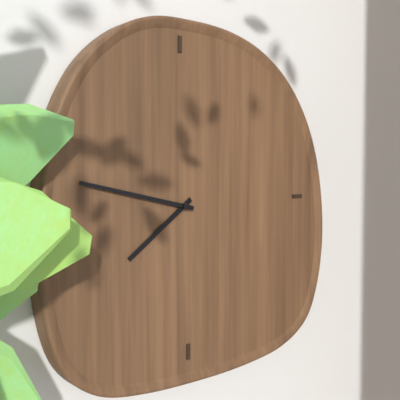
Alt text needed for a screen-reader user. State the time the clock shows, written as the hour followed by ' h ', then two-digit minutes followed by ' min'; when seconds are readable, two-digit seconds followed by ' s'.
7 h 47 min
